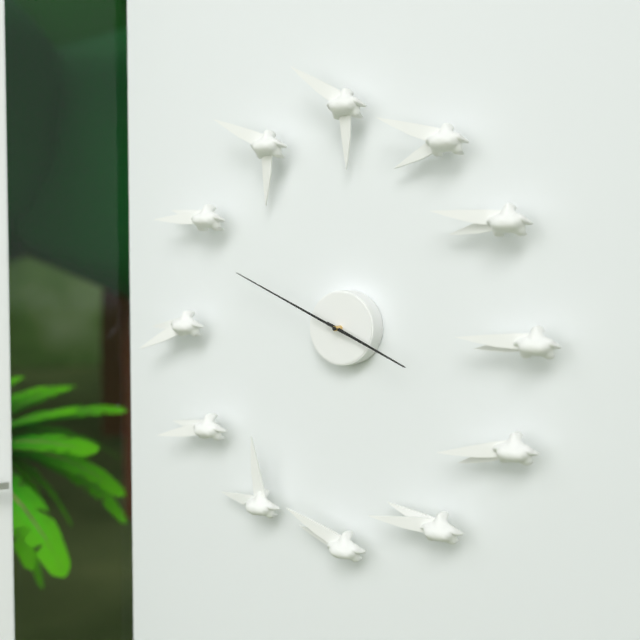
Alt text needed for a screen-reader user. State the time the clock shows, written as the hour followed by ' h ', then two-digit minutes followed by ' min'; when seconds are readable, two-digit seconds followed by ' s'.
3 h 49 min
